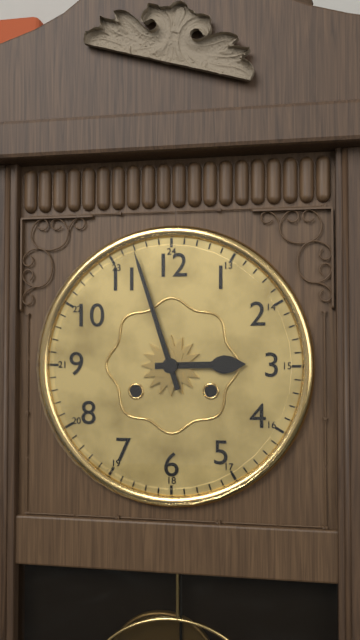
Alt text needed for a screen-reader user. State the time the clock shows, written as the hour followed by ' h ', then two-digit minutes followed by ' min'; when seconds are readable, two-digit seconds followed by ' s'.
2 h 57 min
